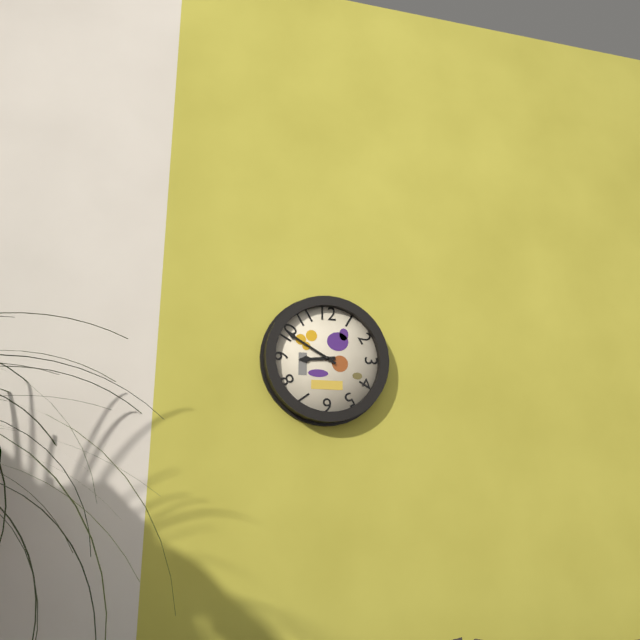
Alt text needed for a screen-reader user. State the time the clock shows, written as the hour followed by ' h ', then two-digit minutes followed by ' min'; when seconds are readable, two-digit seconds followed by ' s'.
8 h 50 min
